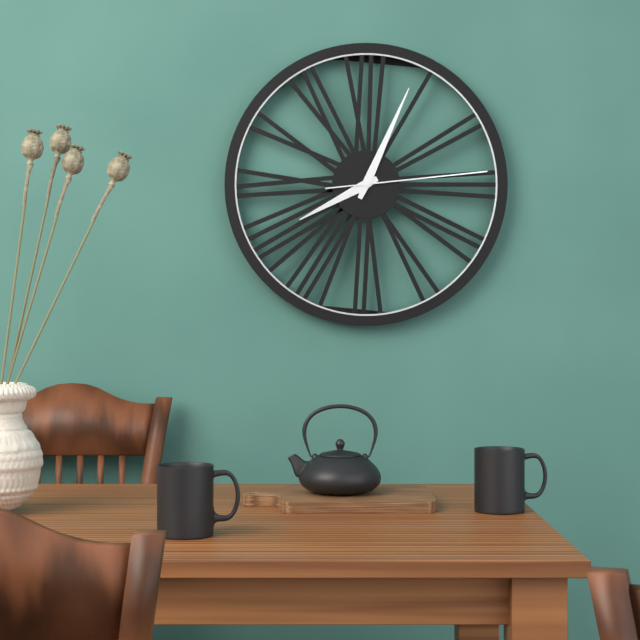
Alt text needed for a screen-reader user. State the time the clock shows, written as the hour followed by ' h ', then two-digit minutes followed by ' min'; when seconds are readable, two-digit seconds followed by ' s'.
8 h 04 min 14 s
